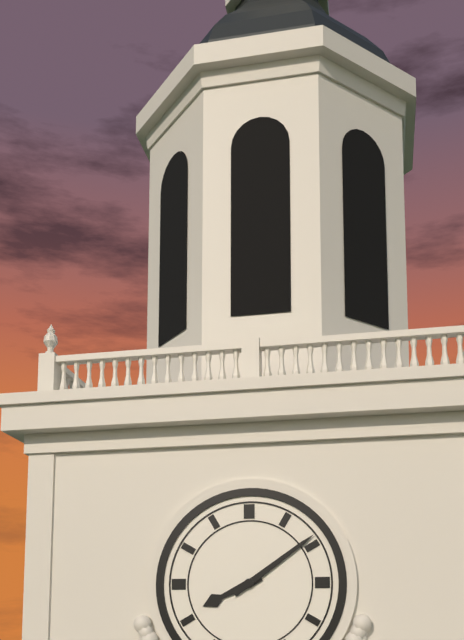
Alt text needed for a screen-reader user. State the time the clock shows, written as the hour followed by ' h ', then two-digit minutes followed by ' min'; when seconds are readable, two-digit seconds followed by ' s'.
8 h 09 min
